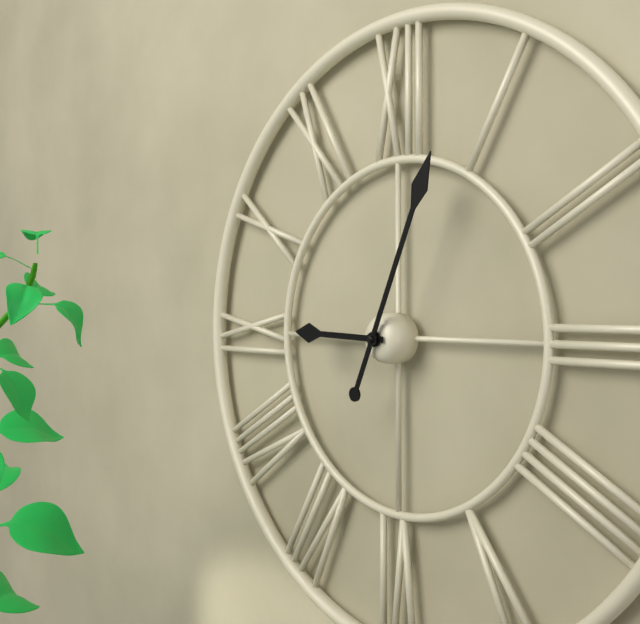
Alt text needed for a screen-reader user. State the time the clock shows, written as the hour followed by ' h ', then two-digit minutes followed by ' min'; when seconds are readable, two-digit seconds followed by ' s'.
9 h 04 min
